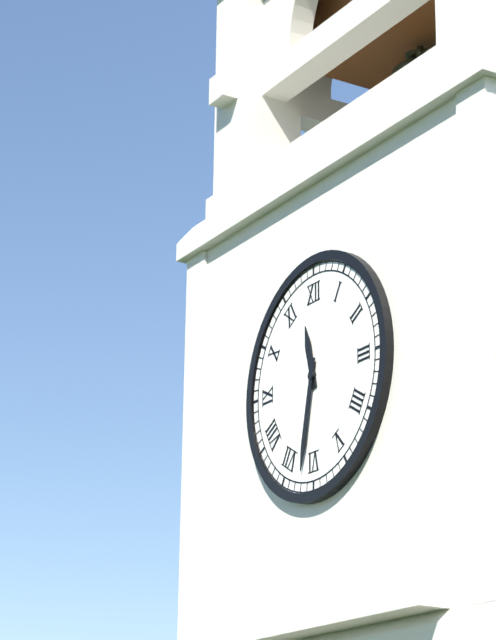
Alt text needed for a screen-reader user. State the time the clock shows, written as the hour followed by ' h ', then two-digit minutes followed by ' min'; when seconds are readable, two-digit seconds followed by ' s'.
11 h 32 min
